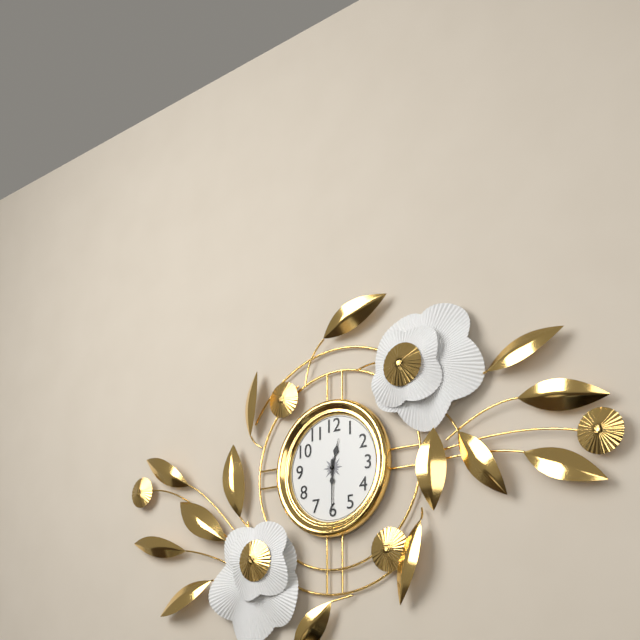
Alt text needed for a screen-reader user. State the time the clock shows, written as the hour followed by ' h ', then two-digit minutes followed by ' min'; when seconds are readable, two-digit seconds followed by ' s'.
12 h 30 min
